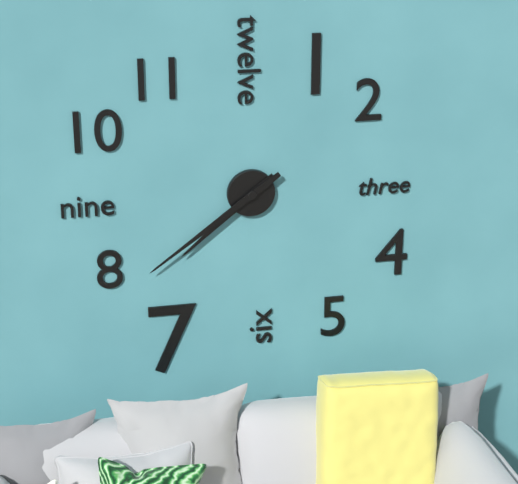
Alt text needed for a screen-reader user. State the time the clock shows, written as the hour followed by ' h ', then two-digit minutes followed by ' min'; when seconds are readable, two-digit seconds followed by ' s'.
7 h 39 min
